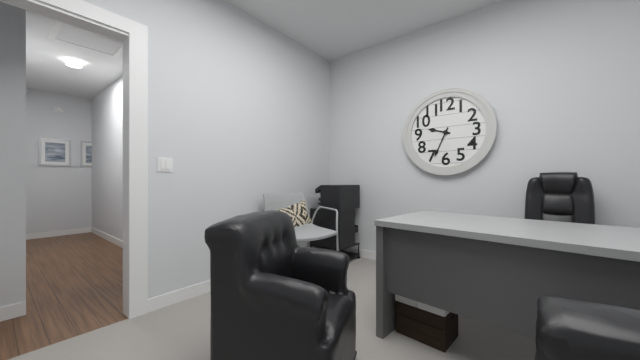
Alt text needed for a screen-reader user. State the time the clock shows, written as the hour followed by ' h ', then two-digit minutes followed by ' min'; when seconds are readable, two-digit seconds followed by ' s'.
9 h 34 min
